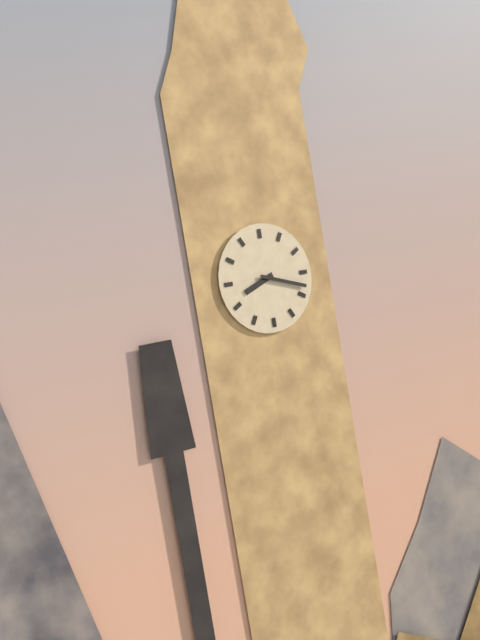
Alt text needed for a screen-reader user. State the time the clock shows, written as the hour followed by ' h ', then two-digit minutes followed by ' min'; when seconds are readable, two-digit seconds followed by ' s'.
8 h 18 min
